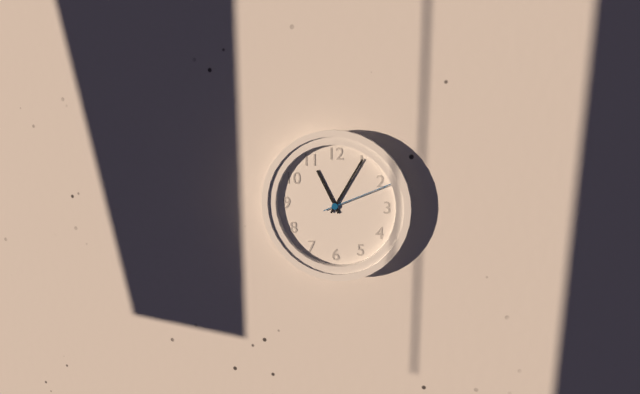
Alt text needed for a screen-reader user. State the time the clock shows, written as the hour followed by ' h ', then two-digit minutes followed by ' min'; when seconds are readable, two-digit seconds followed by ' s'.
11 h 05 min 11 s
